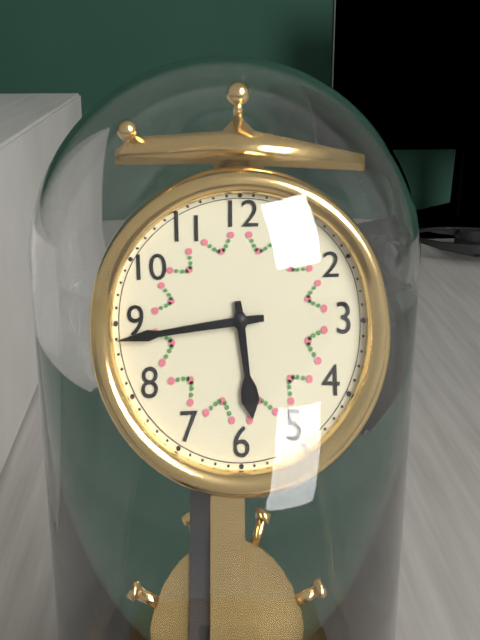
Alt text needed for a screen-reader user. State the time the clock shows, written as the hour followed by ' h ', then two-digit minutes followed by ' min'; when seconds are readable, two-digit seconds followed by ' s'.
5 h 44 min
